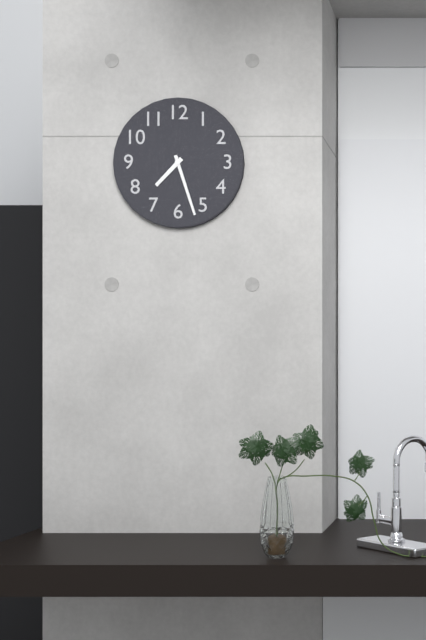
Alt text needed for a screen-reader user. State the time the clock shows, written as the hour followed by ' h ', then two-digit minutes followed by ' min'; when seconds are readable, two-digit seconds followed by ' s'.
7 h 27 min
